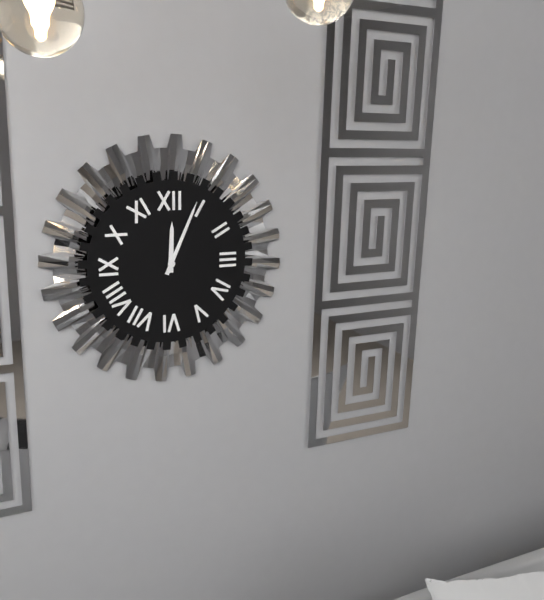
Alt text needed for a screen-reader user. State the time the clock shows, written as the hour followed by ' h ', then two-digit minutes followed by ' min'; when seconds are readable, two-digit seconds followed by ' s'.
12 h 04 min
